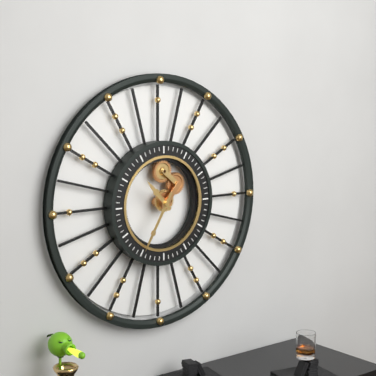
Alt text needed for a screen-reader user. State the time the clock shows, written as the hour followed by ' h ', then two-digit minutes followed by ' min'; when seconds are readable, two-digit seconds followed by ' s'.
10 h 35 min
